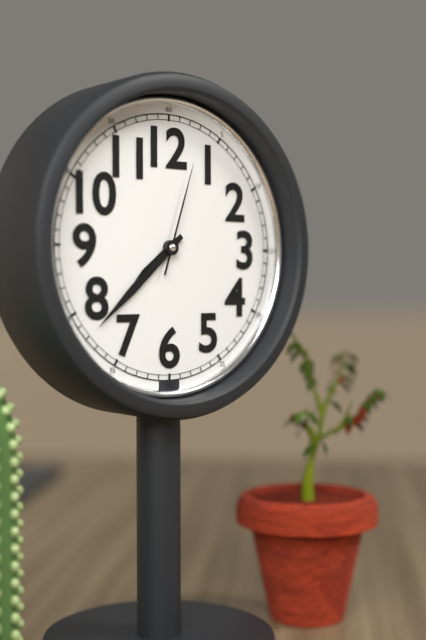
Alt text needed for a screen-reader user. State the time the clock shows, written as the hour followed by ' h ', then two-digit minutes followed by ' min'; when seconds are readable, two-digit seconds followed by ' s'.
7 h 38 min 03 s
